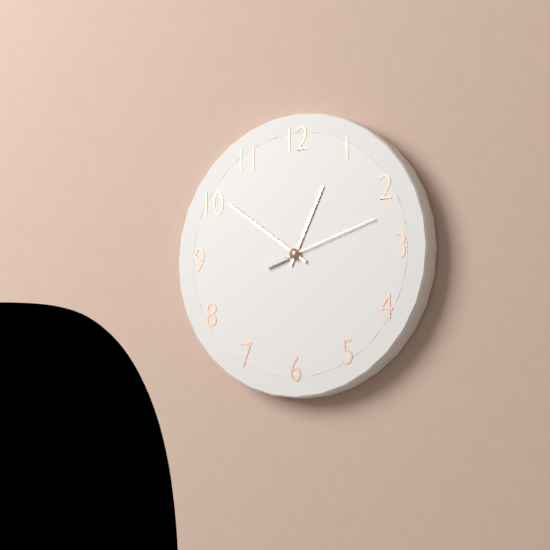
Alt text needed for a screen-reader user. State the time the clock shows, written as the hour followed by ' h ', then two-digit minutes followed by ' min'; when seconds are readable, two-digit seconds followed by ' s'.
12 h 51 min 12 s
